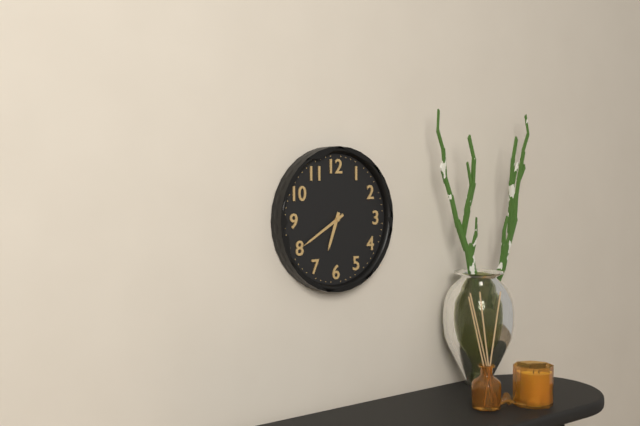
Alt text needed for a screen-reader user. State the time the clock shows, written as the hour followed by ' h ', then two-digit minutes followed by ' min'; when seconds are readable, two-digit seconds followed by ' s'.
6 h 40 min
